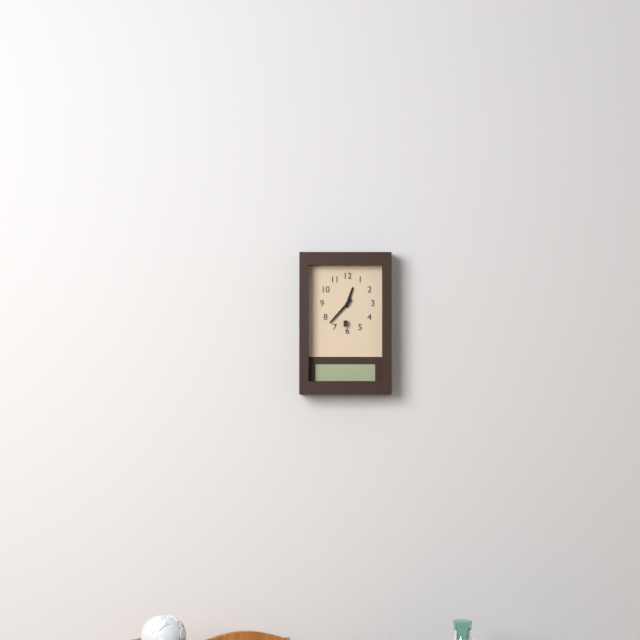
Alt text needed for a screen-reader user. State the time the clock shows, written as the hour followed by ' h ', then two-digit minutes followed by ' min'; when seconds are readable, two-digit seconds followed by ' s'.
12 h 37 min
